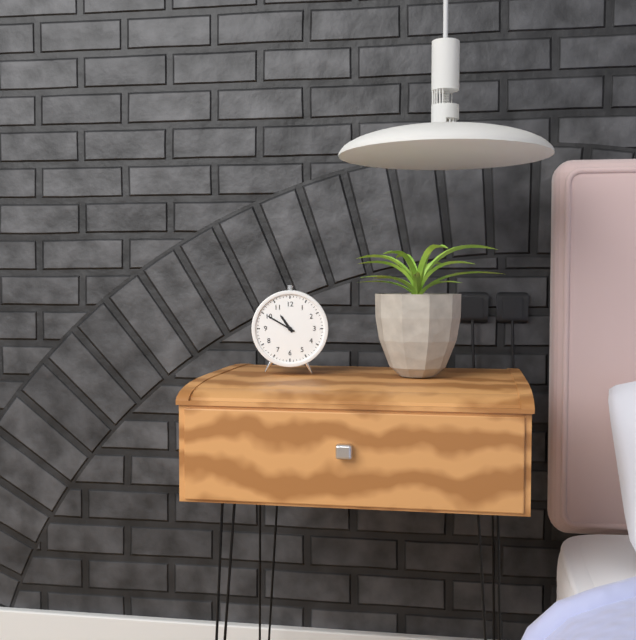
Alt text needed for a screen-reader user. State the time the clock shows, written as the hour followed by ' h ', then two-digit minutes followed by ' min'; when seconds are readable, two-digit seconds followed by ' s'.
10 h 50 min
